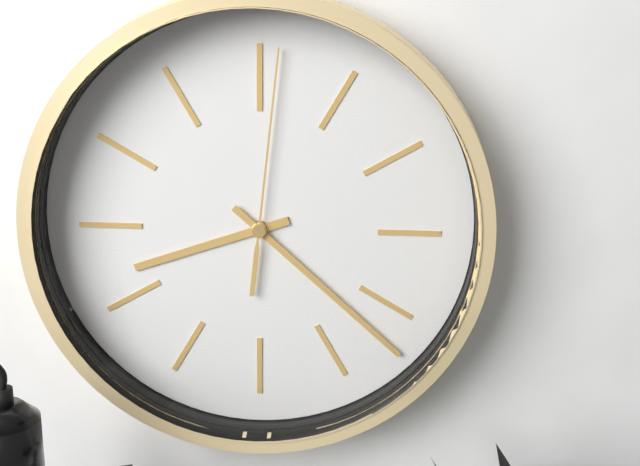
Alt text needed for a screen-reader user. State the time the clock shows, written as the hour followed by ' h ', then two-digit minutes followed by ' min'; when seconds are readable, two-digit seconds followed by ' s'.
8 h 22 min 01 s
